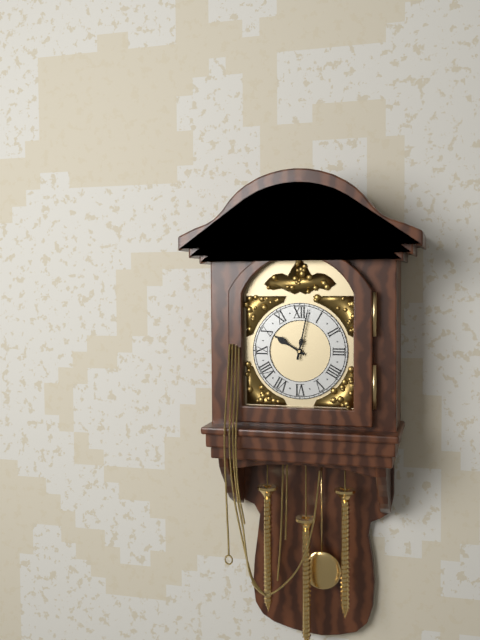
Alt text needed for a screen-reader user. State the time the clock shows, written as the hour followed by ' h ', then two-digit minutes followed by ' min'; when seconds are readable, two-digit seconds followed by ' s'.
10 h 02 min
